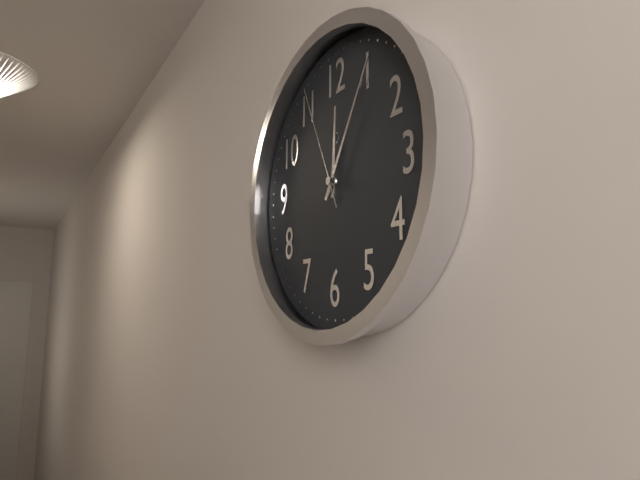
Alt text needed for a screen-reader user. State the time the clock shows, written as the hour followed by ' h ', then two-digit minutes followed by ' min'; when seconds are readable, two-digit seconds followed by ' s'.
12 h 05 min 56 s
